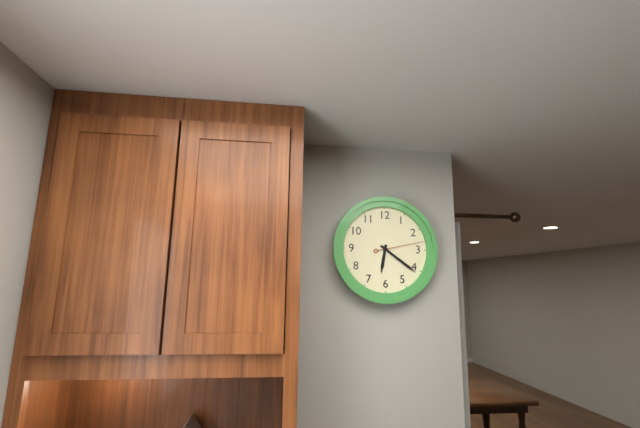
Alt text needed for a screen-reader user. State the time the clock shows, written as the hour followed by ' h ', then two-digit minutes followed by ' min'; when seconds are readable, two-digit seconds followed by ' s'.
6 h 21 min 13 s
